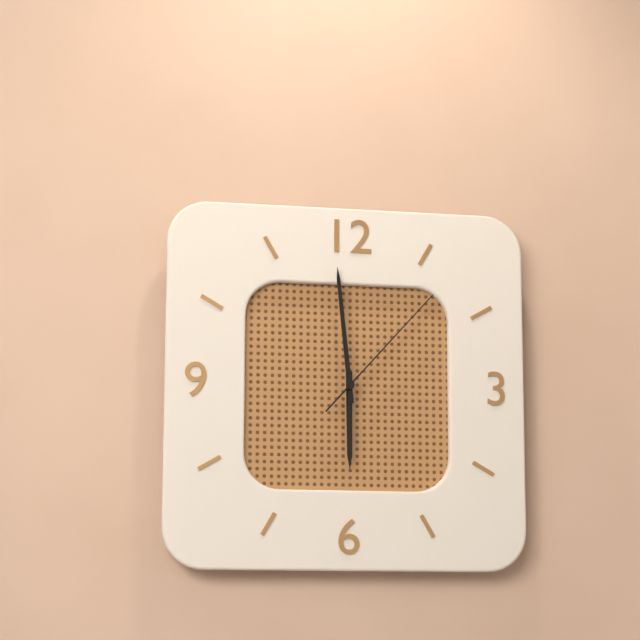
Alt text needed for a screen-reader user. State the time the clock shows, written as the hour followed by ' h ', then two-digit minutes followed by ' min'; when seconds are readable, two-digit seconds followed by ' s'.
5 h 59 min 07 s
